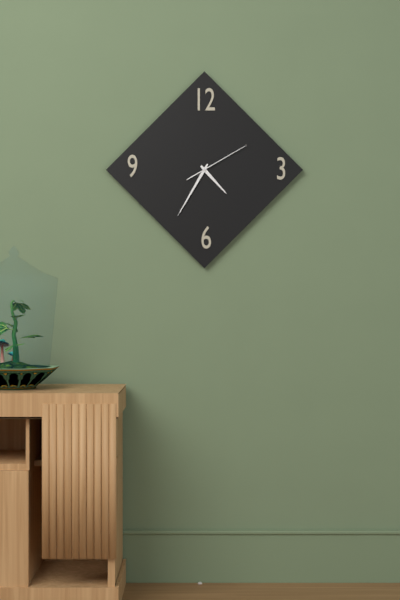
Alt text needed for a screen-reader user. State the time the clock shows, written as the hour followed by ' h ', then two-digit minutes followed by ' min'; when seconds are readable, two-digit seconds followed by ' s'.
4 h 35 min 10 s
